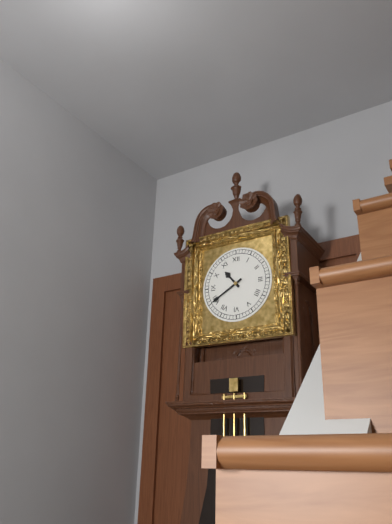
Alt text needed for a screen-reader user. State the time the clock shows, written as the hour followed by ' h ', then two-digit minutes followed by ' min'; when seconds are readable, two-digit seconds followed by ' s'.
10 h 40 min
